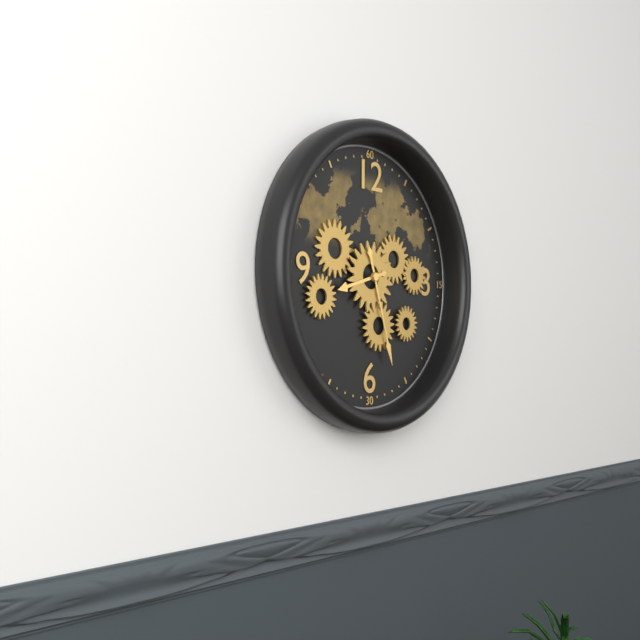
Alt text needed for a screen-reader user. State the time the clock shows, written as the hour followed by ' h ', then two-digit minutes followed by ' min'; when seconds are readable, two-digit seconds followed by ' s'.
8 h 27 min
